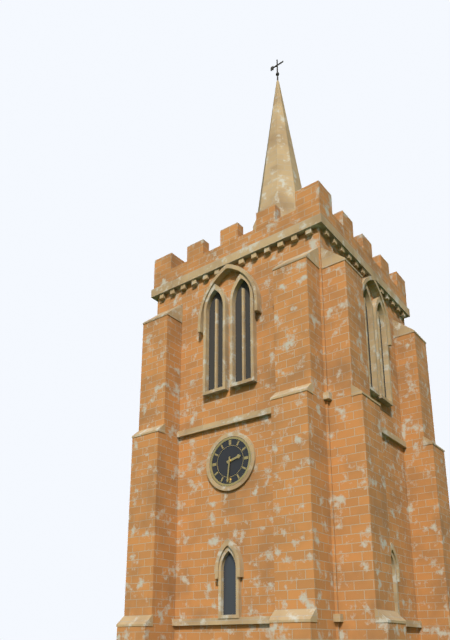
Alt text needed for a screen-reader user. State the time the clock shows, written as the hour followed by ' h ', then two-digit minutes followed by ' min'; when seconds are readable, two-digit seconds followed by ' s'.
2 h 31 min
